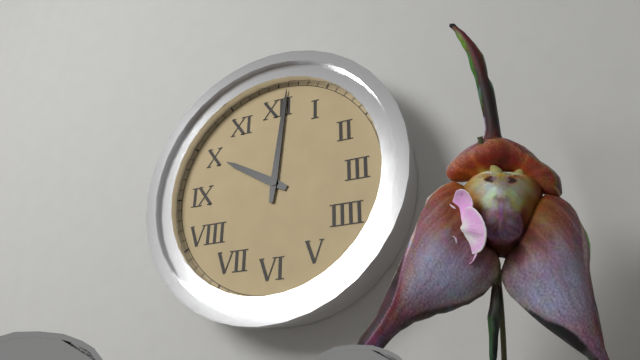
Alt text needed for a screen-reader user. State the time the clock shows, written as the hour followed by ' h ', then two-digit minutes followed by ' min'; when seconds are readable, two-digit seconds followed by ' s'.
10 h 01 min
